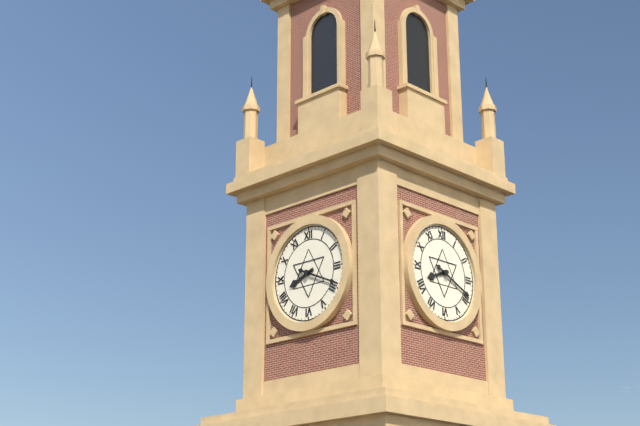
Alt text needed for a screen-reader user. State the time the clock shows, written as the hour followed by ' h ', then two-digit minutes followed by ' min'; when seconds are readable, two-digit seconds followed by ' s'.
8 h 19 min
